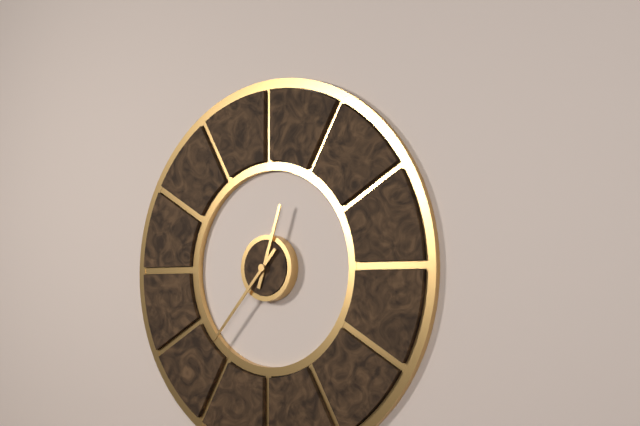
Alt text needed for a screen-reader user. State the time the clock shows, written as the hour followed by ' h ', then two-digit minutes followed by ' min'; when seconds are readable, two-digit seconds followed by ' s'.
12 h 37 min
